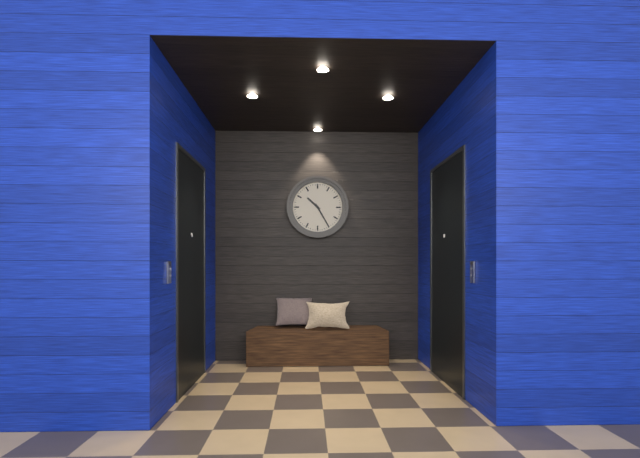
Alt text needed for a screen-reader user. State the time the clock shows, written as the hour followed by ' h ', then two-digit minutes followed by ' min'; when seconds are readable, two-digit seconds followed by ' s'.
10 h 25 min
